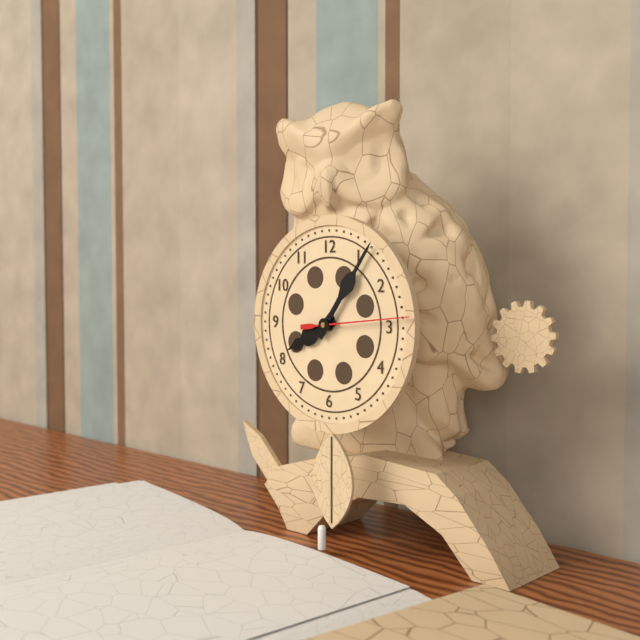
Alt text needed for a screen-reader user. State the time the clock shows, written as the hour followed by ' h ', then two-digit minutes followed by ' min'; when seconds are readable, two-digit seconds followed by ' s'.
8 h 06 min 14 s
